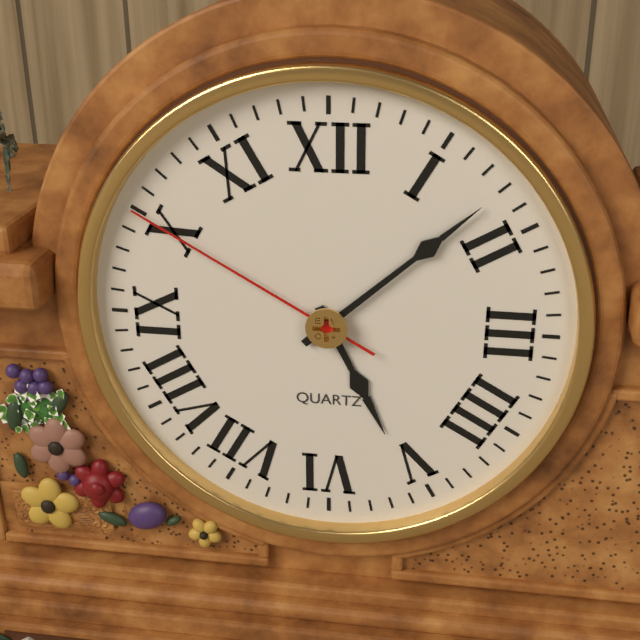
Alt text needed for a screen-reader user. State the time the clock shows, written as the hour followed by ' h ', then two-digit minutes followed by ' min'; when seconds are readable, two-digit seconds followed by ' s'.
5 h 08 min 50 s
